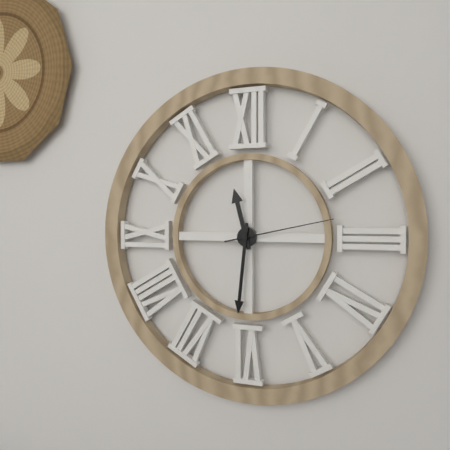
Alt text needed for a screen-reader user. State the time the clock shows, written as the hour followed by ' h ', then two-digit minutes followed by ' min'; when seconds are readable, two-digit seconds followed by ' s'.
11 h 31 min 13 s
